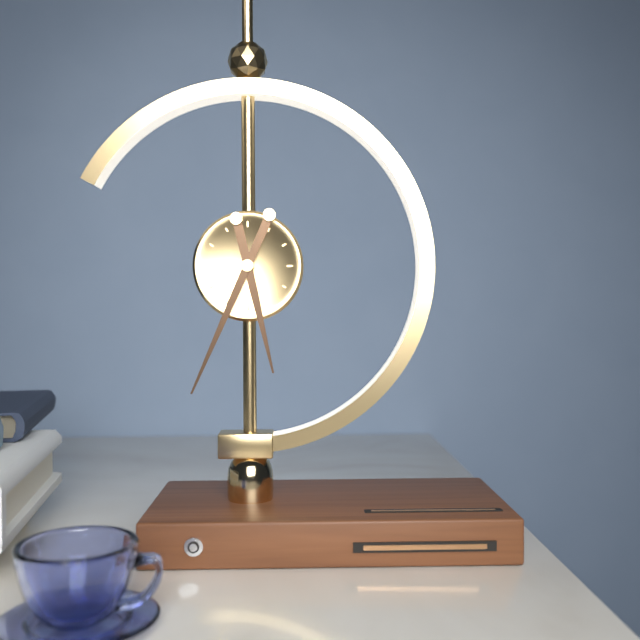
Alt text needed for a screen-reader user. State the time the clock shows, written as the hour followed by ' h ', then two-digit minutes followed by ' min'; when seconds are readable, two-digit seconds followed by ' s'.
5 h 34 min
